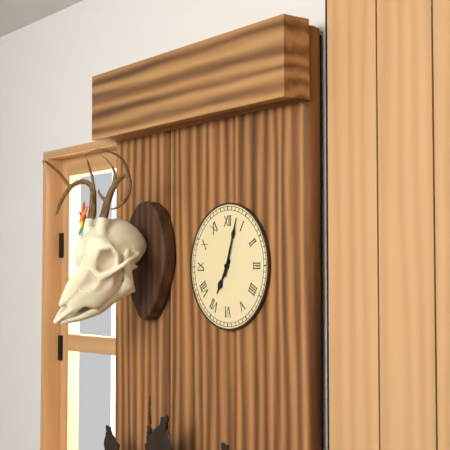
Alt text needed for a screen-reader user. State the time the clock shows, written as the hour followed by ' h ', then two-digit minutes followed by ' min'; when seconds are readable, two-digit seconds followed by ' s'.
7 h 03 min
